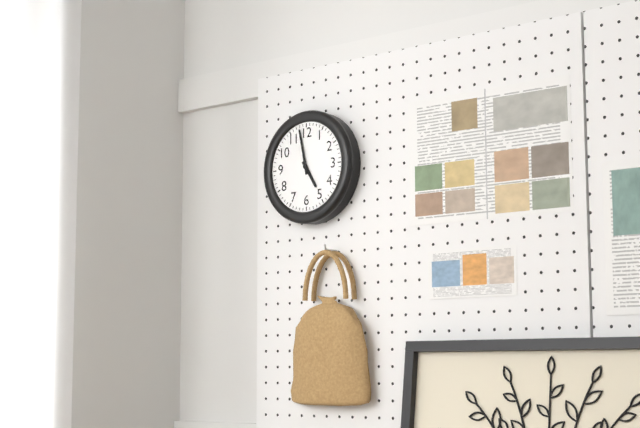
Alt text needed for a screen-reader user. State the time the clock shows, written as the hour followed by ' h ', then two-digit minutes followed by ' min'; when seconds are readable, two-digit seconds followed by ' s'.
4 h 58 min
